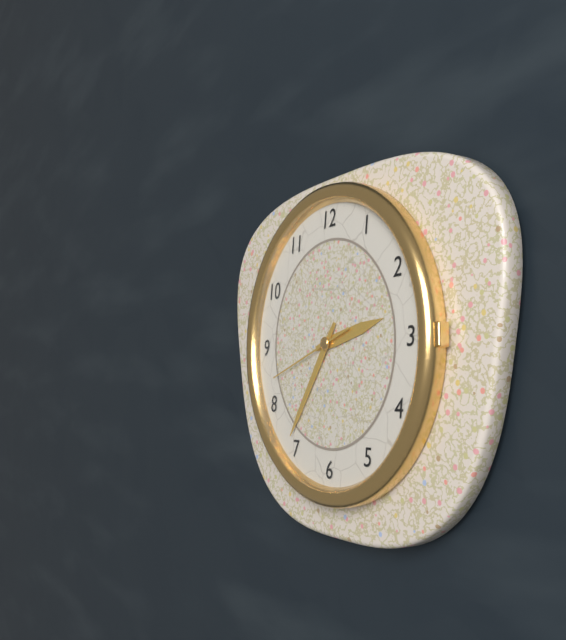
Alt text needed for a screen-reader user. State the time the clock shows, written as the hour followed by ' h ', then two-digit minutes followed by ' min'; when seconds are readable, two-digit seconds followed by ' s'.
2 h 36 min 42 s
